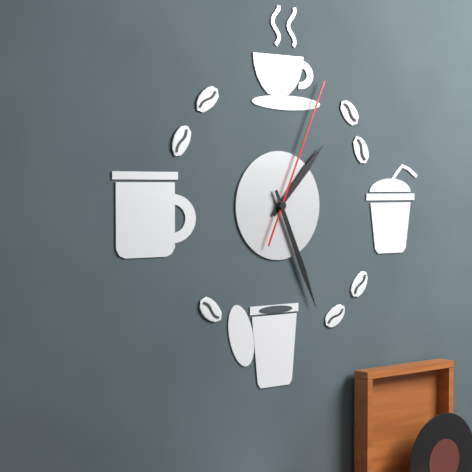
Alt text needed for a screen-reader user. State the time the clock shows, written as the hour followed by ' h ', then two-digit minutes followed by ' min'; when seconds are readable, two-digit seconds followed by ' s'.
1 h 26 min 04 s
